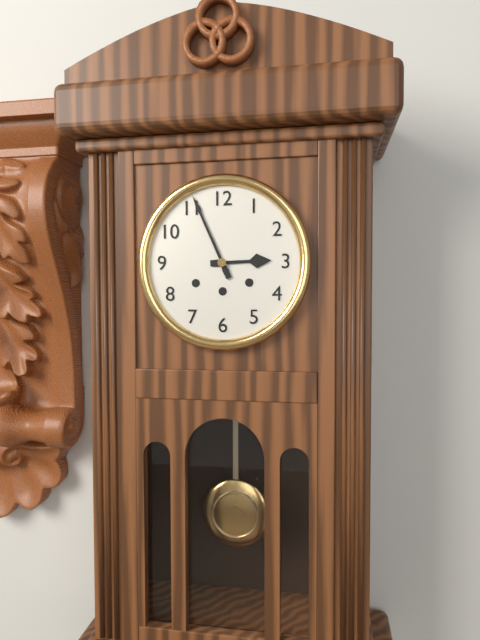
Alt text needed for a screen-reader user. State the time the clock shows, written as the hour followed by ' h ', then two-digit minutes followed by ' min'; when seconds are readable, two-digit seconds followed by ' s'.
2 h 56 min
